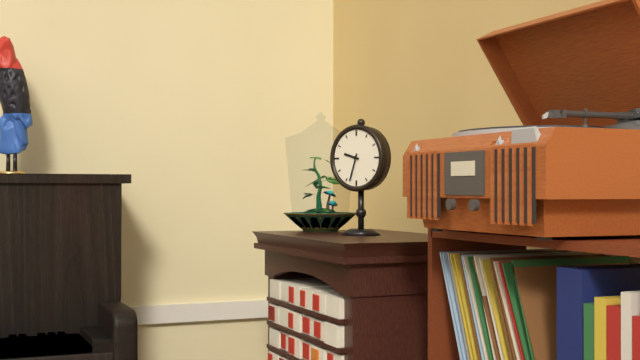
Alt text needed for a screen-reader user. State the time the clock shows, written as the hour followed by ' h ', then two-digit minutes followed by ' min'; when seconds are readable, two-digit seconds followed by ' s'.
9 h 33 min
